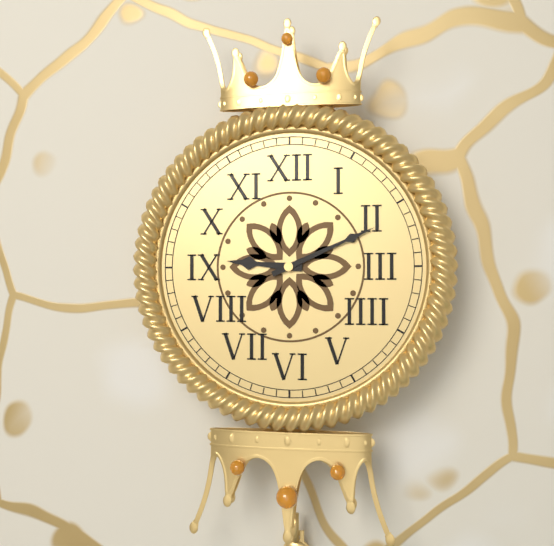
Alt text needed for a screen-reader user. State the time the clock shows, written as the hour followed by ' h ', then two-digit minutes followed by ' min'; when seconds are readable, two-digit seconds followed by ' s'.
9 h 11 min
